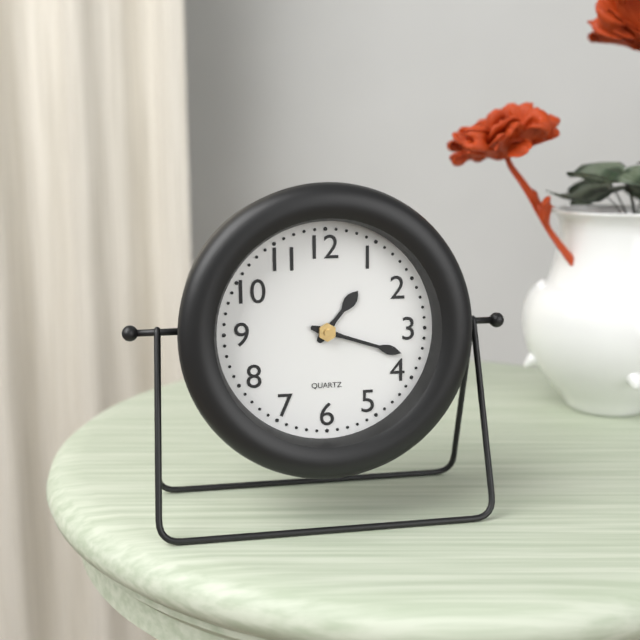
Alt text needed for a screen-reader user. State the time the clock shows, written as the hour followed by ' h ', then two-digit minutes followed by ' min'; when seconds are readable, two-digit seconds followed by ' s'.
1 h 18 min
